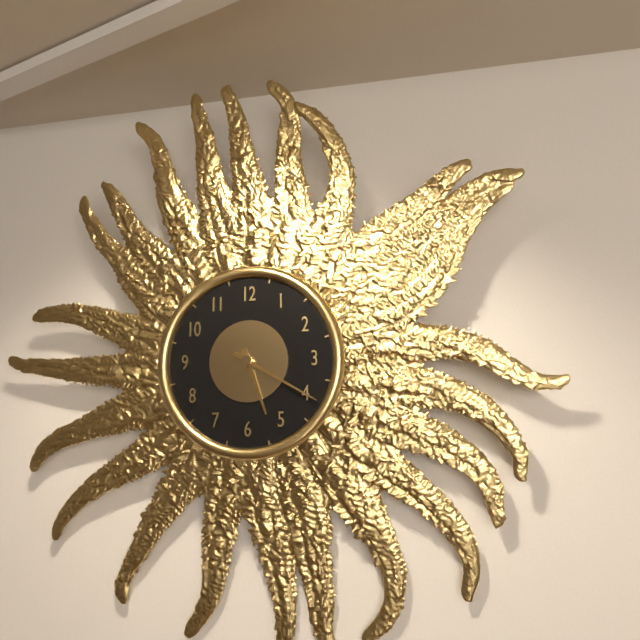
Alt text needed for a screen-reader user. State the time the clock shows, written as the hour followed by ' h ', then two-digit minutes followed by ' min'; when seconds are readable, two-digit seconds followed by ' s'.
5 h 20 min
